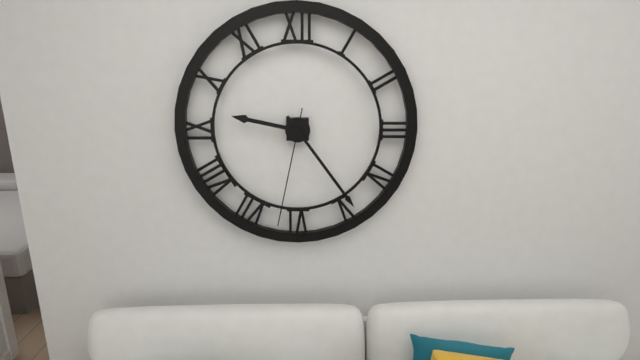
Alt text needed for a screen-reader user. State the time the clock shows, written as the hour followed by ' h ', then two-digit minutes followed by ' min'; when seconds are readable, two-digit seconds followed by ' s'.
9 h 24 min 32 s
